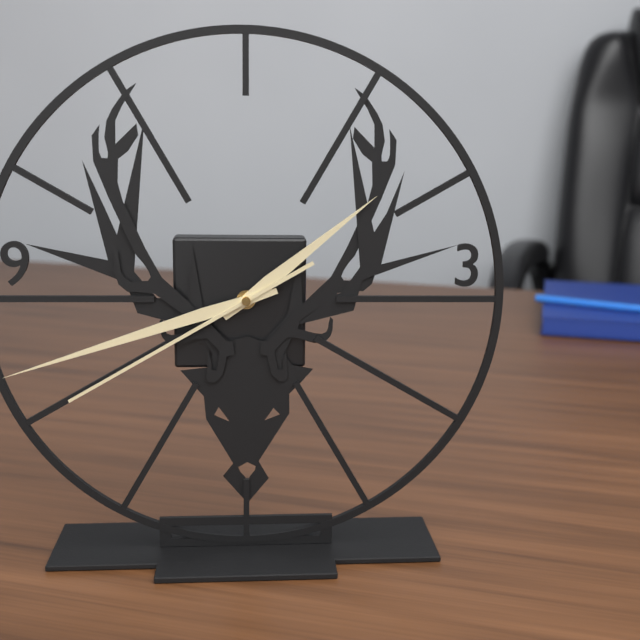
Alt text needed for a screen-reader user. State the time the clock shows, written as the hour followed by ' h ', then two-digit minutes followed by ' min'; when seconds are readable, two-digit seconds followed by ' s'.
1 h 42 min 40 s
